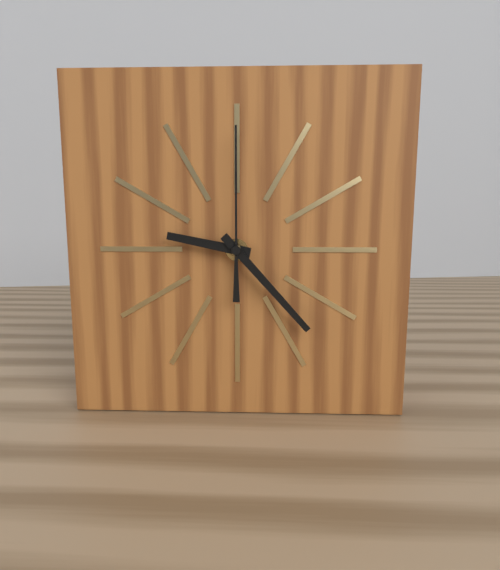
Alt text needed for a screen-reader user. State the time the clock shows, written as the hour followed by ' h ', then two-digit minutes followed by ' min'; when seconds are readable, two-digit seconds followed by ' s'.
9 h 23 min 00 s
